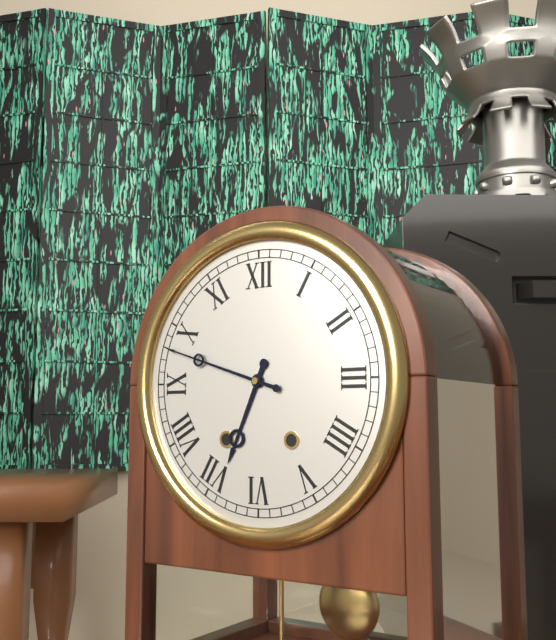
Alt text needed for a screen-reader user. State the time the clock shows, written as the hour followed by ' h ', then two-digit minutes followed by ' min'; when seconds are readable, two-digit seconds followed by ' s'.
6 h 48 min
